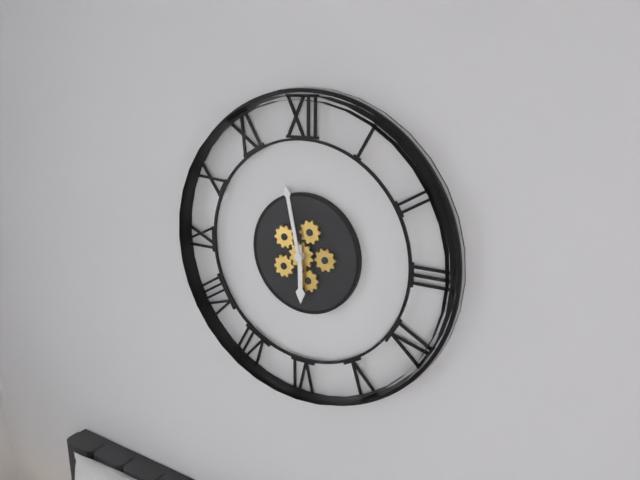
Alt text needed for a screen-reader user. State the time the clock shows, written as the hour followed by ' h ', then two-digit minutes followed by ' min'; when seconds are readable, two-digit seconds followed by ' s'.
5 h 58 min
